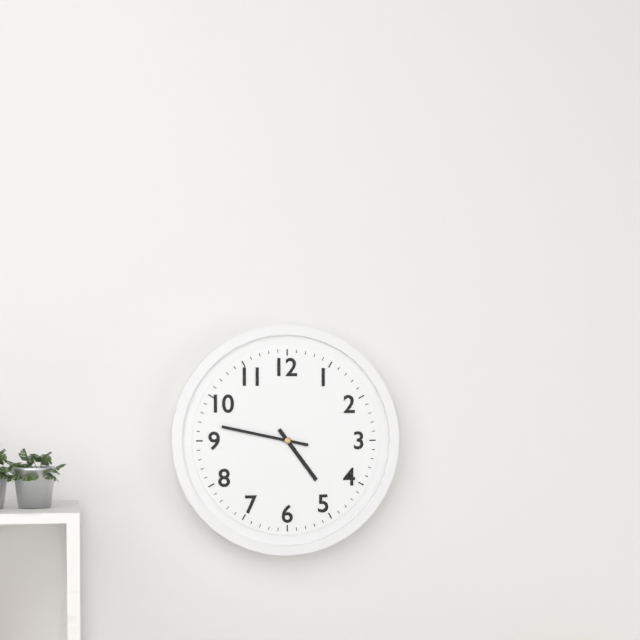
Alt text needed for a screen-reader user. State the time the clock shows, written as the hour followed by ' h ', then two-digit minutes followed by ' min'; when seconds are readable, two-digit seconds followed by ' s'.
4 h 47 min
